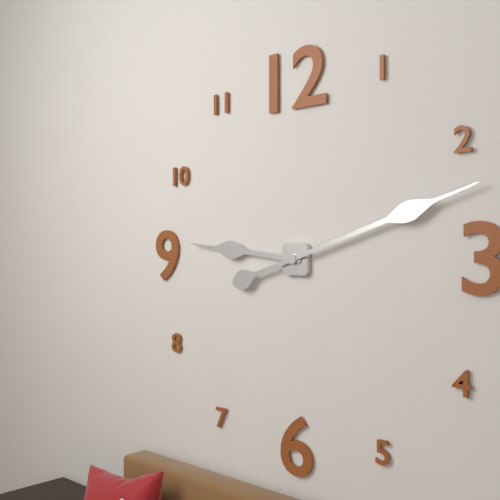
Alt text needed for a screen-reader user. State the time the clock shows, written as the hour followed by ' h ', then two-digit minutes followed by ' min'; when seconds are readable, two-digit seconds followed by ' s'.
9 h 12 min
